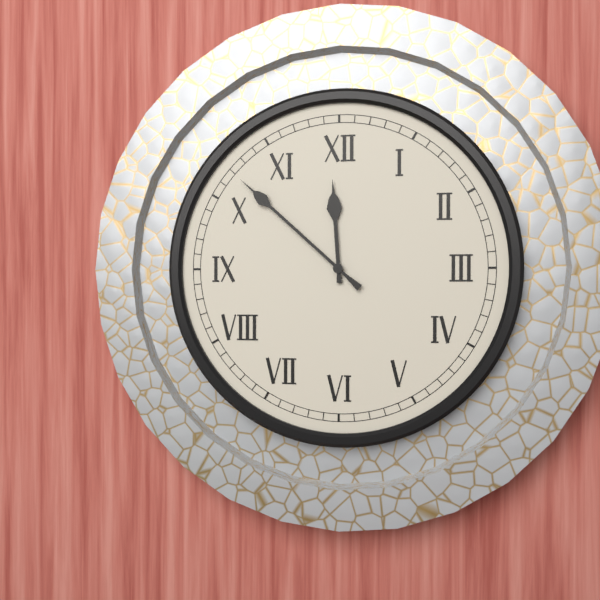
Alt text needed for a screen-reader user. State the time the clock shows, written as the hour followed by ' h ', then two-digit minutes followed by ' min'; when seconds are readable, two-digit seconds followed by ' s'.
11 h 52 min
